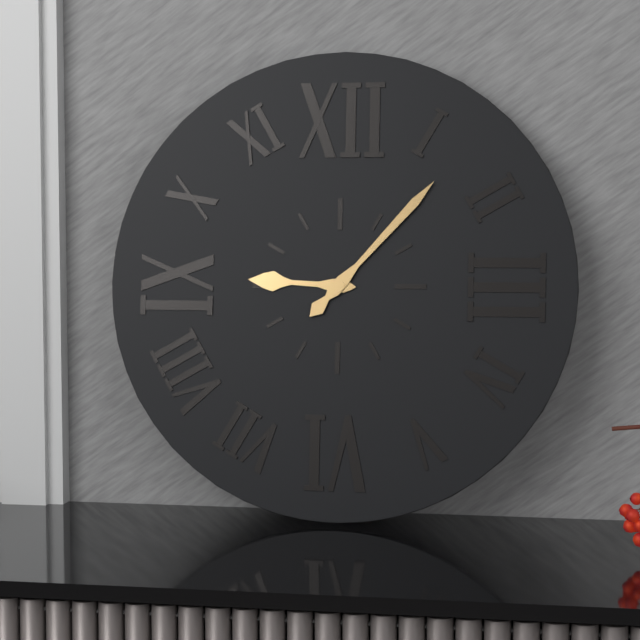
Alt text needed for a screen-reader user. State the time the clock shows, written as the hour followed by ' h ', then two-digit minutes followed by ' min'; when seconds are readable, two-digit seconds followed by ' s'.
9 h 07 min
